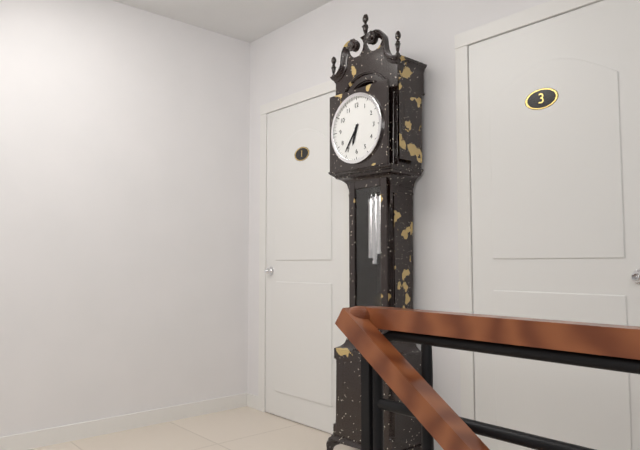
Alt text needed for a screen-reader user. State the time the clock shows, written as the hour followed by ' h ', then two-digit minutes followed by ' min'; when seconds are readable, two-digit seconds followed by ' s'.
6 h 36 min
